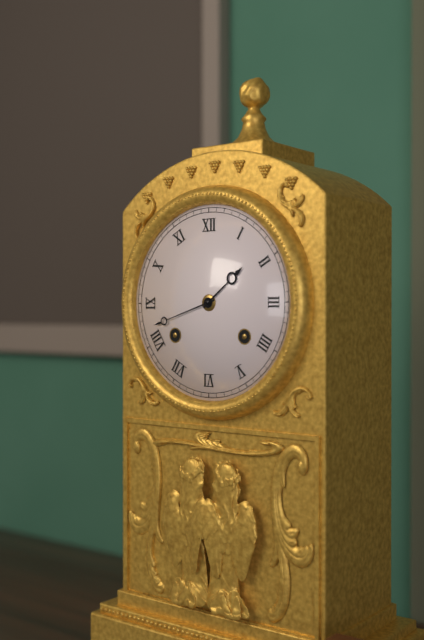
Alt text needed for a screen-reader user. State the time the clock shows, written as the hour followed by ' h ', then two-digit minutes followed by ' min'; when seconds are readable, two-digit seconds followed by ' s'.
1 h 42 min
